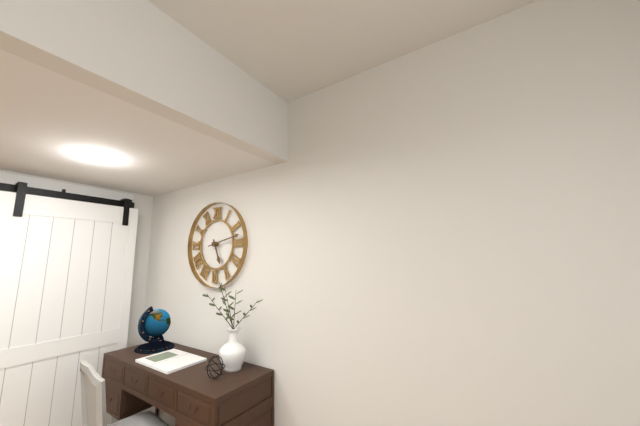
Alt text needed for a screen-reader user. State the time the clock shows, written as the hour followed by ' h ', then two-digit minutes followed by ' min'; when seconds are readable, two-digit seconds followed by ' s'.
5 h 13 min
